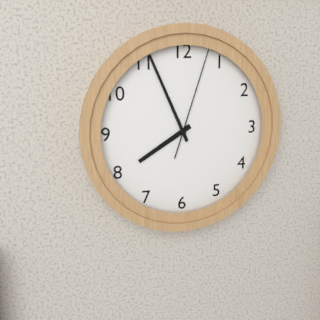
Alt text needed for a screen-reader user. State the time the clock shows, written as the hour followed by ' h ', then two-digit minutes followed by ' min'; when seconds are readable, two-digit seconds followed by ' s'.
7 h 56 min 03 s
